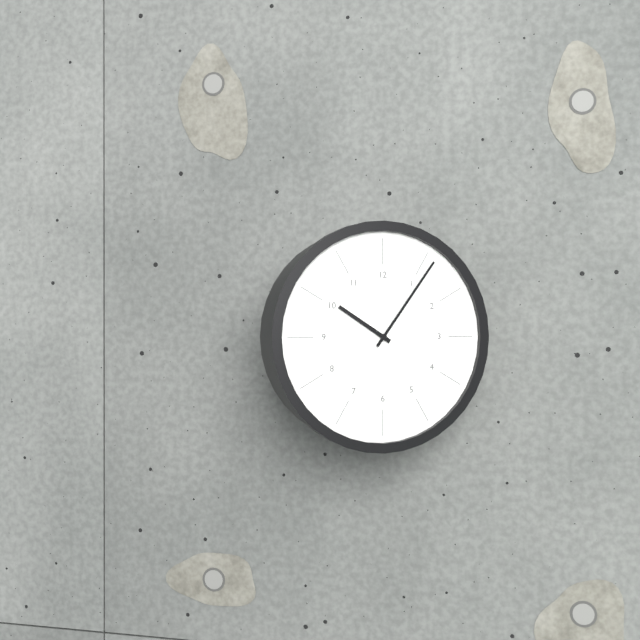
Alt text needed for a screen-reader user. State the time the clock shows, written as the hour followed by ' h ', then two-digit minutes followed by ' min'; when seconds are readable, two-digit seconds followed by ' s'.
10 h 06 min
